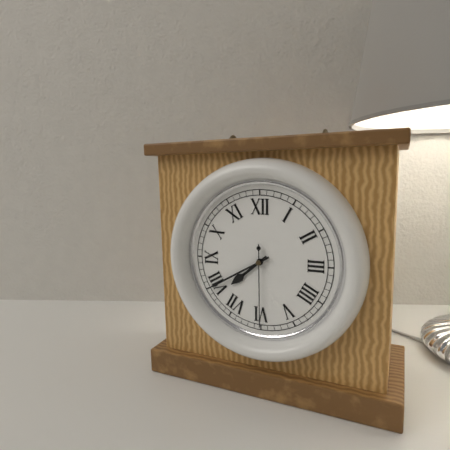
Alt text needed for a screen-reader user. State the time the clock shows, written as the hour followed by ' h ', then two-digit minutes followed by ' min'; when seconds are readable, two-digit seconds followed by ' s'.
7 h 40 min 30 s
